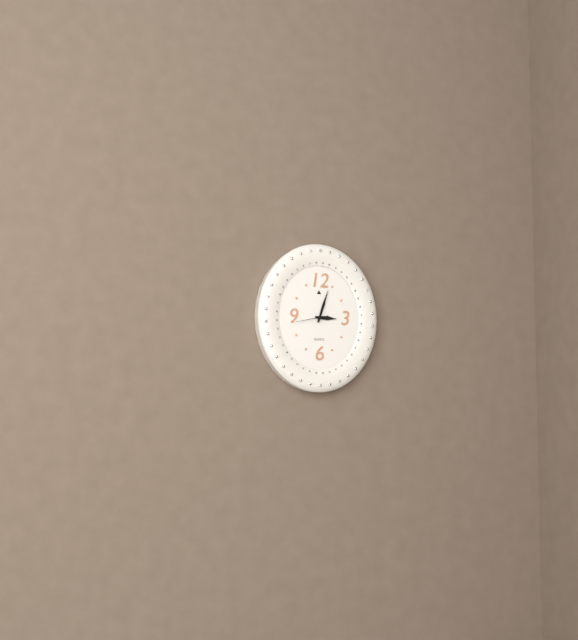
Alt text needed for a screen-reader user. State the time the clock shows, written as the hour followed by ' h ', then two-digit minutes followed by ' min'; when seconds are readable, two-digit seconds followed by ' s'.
3 h 03 min
